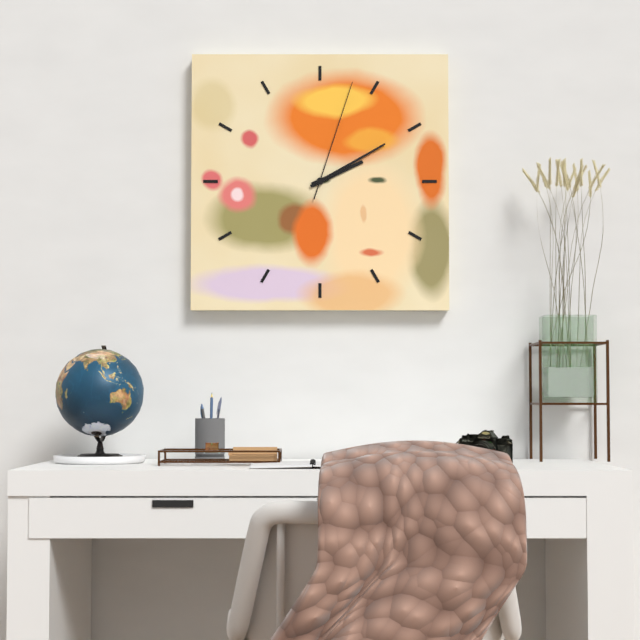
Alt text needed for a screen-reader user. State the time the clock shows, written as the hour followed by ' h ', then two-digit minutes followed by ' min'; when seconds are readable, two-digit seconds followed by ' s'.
2 h 10 min 03 s
